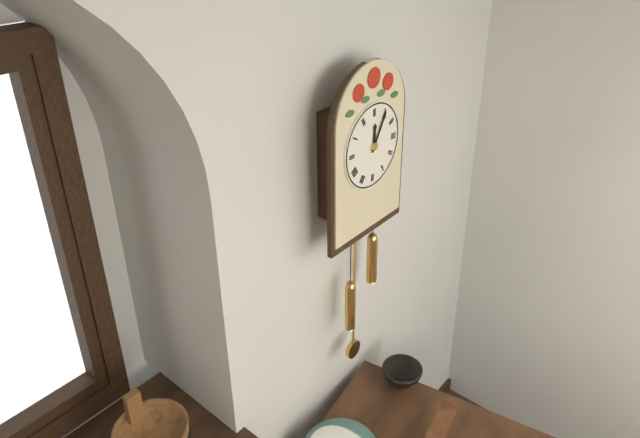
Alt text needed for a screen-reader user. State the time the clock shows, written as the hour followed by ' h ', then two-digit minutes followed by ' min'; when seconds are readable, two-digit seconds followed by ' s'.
12 h 05 min
